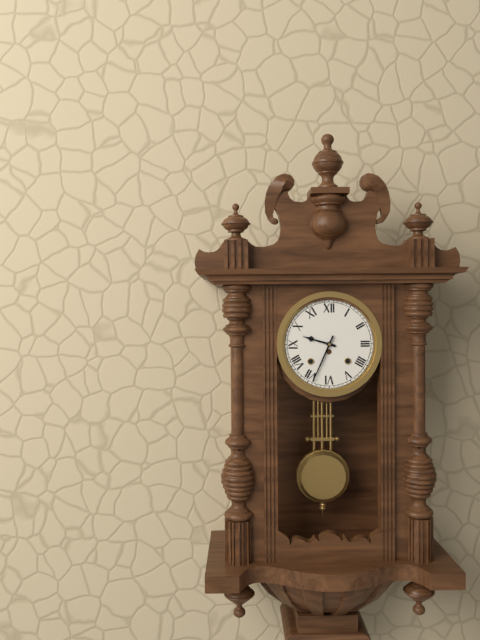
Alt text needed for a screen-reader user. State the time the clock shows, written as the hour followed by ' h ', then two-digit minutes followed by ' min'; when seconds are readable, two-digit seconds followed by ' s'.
9 h 34 min
